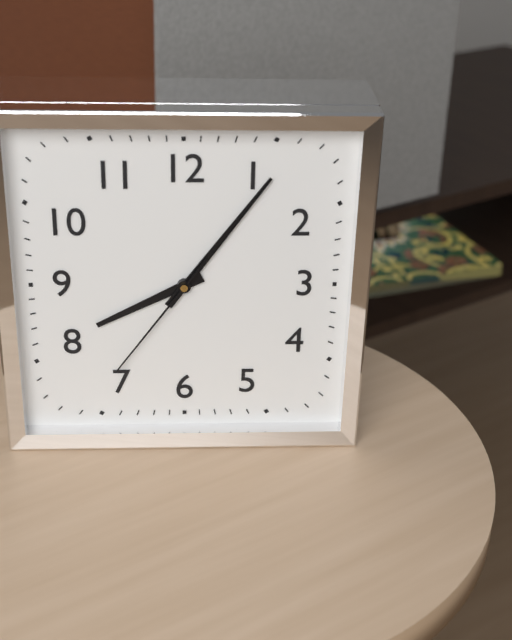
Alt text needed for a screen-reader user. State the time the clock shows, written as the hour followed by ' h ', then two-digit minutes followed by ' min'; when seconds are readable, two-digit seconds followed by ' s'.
8 h 06 min 36 s
